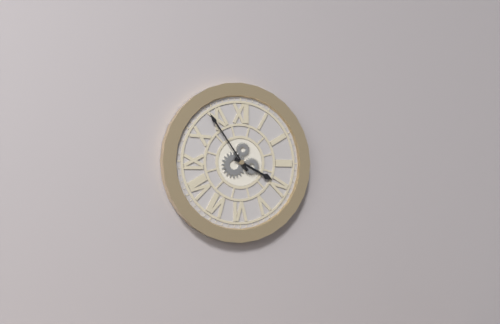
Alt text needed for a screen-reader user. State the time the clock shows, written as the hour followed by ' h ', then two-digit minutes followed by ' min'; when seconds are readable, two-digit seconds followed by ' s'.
3 h 54 min
